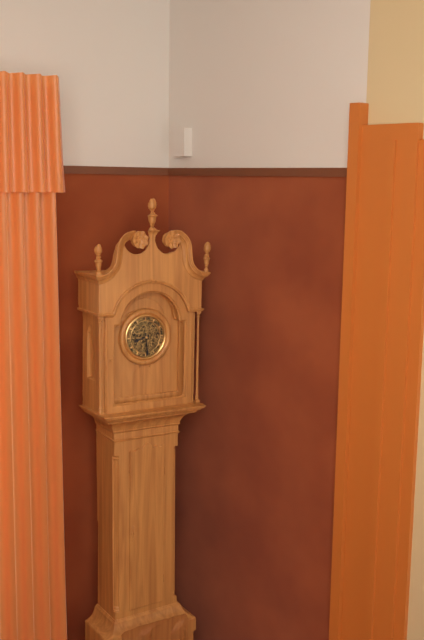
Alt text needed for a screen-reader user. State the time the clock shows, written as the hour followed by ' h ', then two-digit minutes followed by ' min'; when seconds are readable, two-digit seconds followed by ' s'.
8 h 29 min
